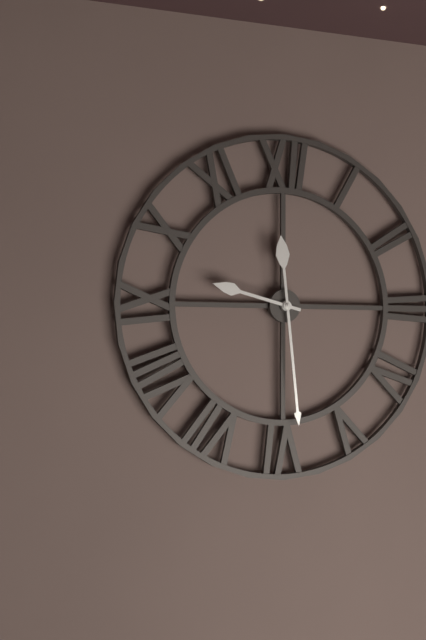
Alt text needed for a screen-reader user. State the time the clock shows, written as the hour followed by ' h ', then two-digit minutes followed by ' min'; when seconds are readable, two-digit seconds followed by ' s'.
9 h 29 min
